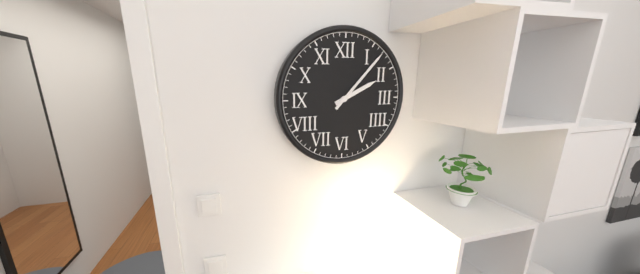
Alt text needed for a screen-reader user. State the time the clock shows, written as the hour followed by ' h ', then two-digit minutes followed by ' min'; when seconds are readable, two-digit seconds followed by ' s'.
2 h 07 min
